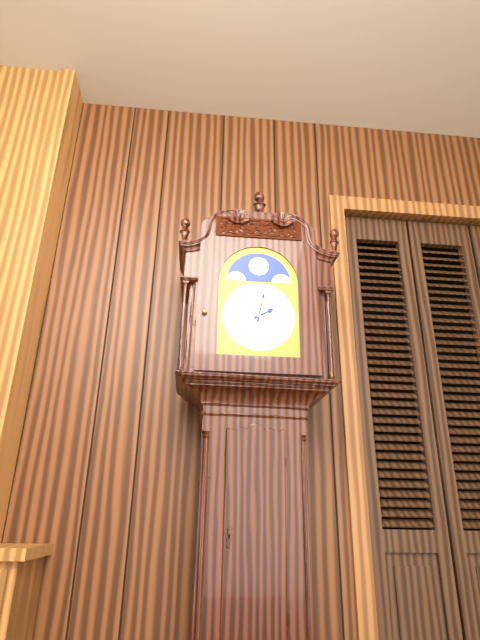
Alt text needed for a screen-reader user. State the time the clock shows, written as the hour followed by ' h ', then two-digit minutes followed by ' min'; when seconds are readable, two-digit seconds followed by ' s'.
2 h 02 min
